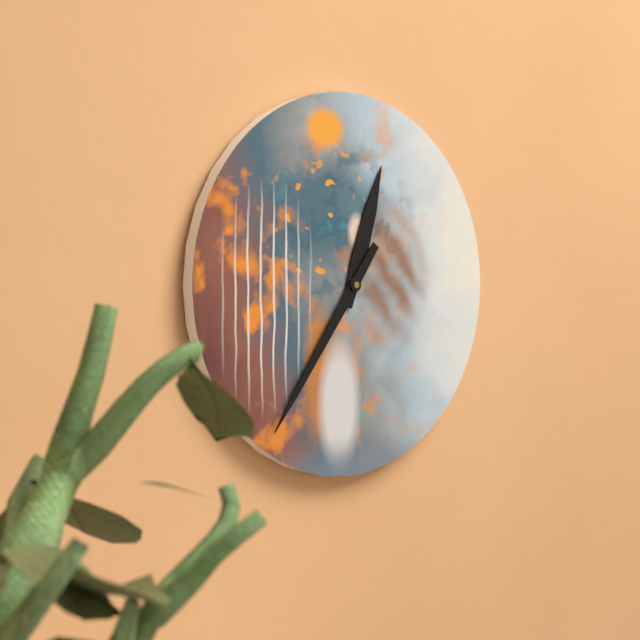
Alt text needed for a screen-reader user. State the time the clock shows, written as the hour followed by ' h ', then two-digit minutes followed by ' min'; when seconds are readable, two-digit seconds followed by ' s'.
12 h 36 min
